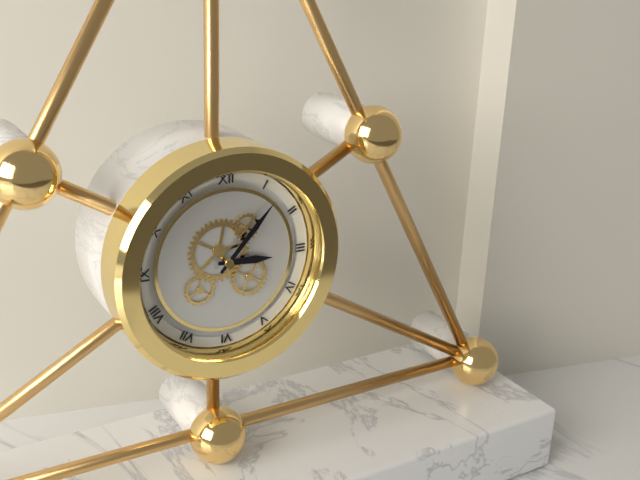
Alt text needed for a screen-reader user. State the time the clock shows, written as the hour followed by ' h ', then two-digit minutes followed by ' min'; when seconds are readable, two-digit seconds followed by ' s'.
3 h 07 min
